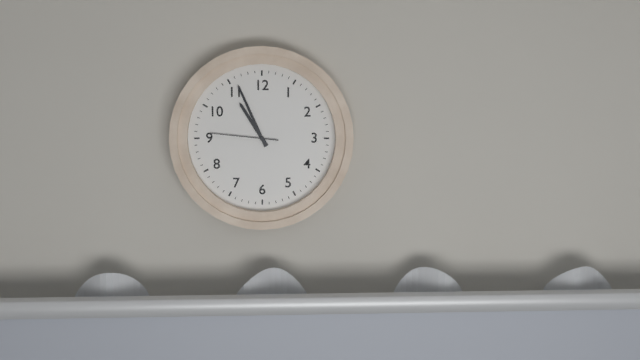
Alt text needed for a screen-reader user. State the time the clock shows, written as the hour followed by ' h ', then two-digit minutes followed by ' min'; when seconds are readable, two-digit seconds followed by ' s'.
10 h 56 min 46 s
